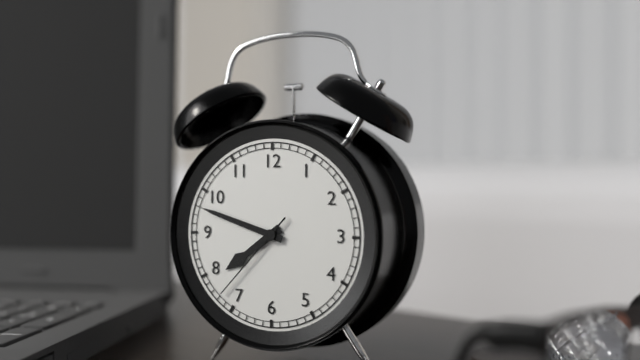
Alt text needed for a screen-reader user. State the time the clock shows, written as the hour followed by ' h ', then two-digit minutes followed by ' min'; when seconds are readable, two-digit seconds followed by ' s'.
7 h 48 min 37 s
